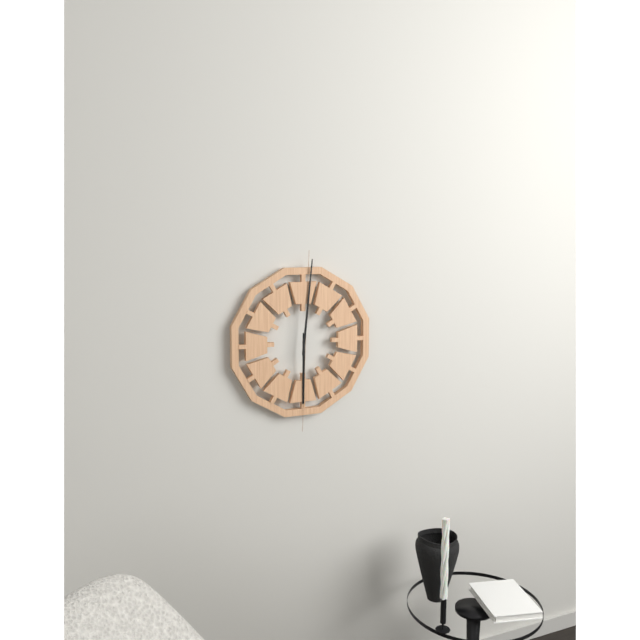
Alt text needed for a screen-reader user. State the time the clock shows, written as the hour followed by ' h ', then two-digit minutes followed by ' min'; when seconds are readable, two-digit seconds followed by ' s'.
6 h 01 min
